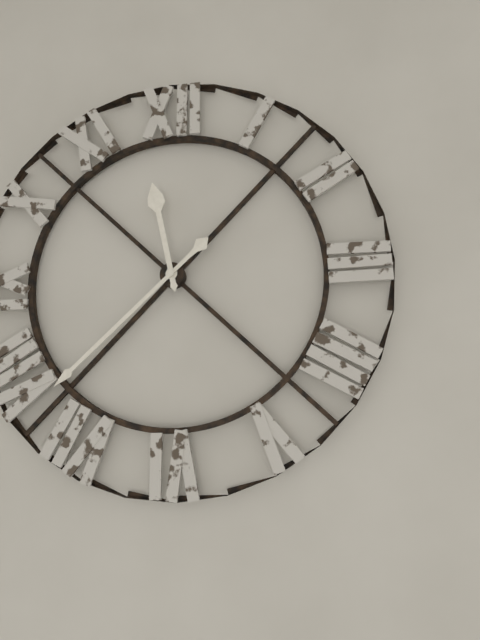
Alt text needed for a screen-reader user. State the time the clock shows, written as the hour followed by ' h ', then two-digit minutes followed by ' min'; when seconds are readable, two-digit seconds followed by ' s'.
11 h 38 min
